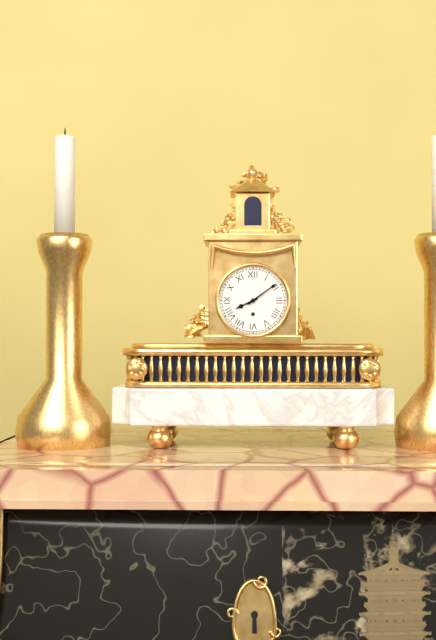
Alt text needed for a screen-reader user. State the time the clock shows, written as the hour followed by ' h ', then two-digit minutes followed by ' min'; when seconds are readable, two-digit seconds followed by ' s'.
8 h 09 min
